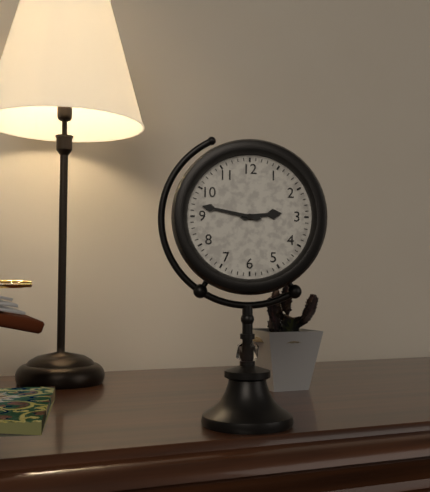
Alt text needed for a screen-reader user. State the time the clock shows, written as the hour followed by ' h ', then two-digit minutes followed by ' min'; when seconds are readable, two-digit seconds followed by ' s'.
2 h 47 min
